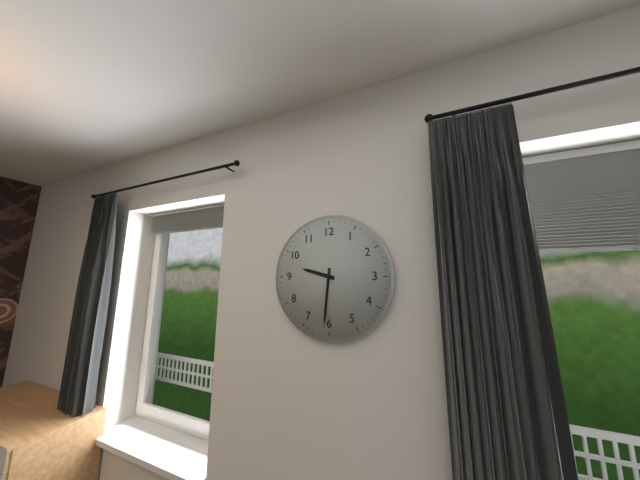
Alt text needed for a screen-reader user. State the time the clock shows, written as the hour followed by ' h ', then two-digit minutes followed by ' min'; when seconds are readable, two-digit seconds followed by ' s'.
9 h 31 min
